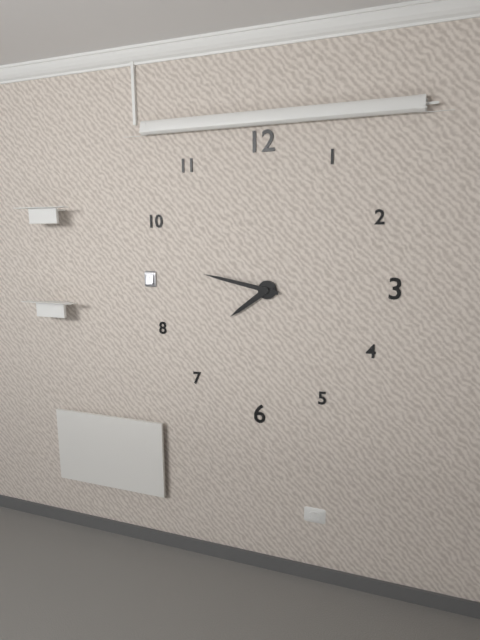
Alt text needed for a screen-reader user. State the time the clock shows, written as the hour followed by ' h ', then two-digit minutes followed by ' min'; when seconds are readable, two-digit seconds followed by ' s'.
7 h 47 min
